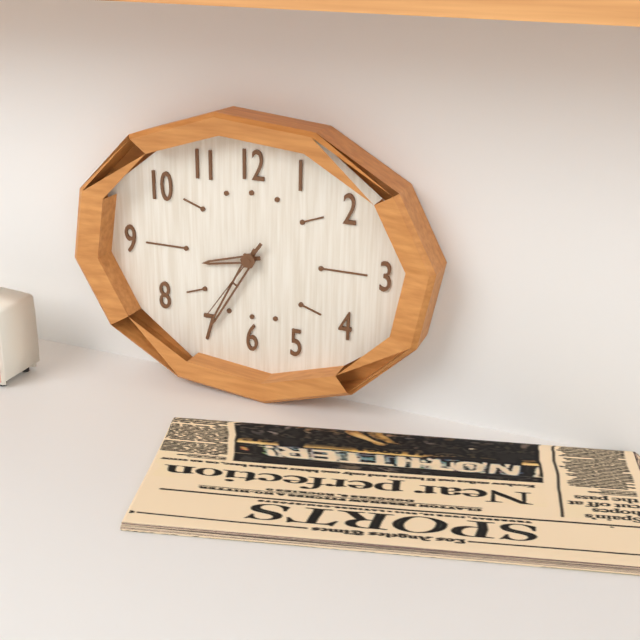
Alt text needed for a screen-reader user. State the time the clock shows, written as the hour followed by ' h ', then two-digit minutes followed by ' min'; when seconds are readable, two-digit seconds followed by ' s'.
8 h 35 min 36 s
